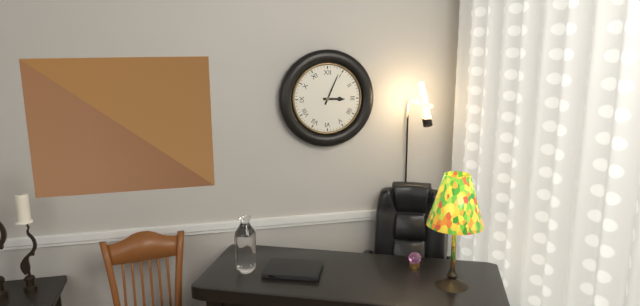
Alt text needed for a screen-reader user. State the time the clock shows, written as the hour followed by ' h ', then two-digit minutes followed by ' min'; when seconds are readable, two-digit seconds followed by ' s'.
3 h 04 min
